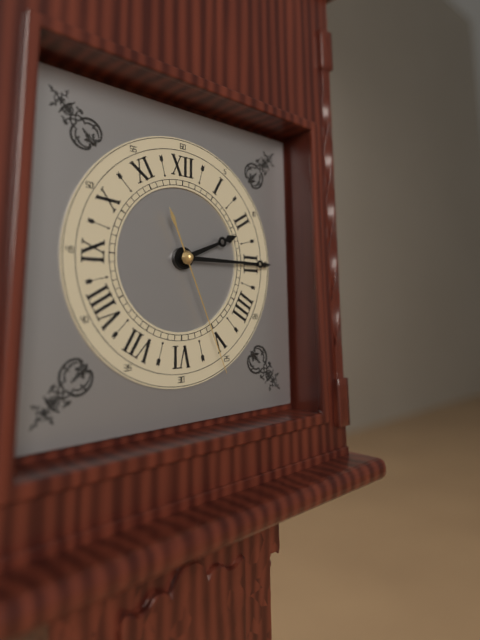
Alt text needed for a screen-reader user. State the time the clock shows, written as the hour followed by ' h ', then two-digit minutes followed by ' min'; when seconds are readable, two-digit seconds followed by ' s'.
2 h 15 min 26 s
